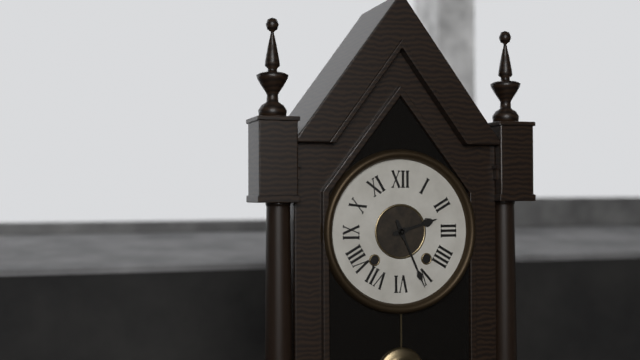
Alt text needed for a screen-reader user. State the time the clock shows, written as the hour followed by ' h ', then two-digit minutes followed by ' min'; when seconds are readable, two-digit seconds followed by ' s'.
2 h 26 min
